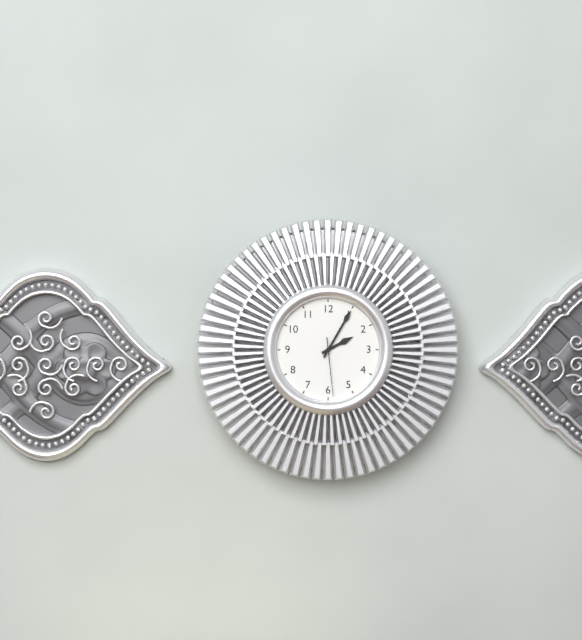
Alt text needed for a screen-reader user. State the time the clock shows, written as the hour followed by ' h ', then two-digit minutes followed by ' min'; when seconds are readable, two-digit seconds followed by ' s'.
2 h 05 min 29 s
